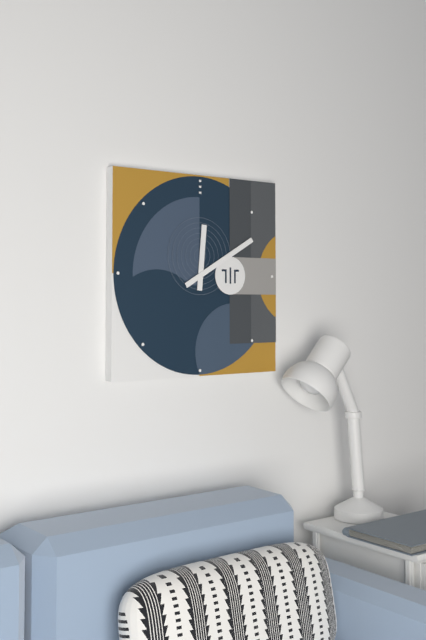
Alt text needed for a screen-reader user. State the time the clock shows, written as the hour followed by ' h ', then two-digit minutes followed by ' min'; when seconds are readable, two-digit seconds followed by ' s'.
12 h 10 min
